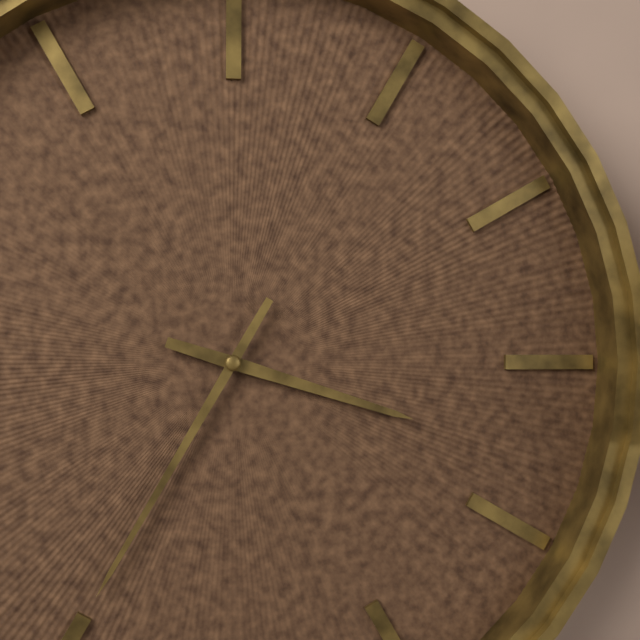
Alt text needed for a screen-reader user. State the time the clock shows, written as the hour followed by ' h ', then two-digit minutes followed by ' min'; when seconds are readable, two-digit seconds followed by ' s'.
3 h 35 min
